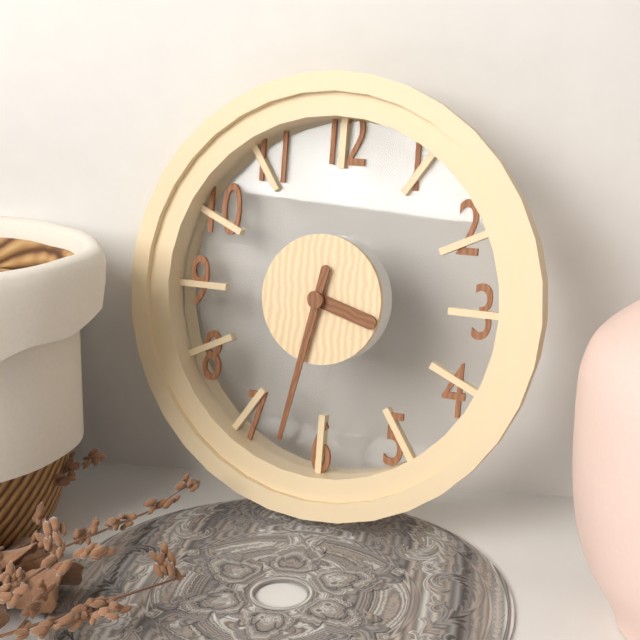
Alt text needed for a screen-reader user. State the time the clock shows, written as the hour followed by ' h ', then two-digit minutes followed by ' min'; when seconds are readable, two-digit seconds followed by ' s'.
3 h 32 min
